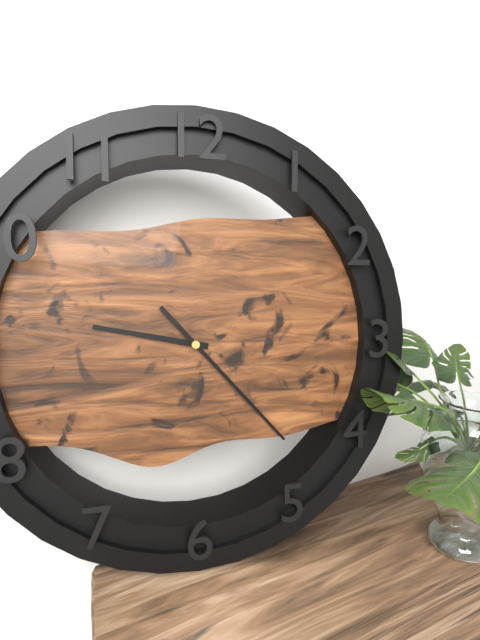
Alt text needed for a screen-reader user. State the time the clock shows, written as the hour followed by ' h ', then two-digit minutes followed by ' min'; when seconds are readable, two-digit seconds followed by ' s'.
9 h 23 min
